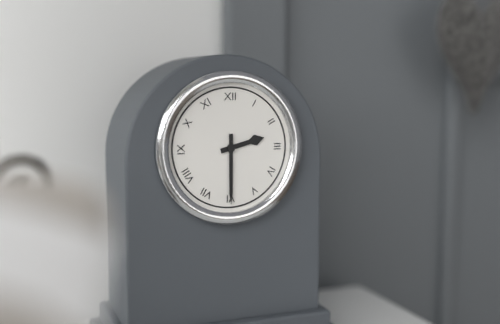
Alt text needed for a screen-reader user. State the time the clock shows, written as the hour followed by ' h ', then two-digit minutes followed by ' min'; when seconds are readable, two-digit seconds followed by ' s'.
2 h 30 min
